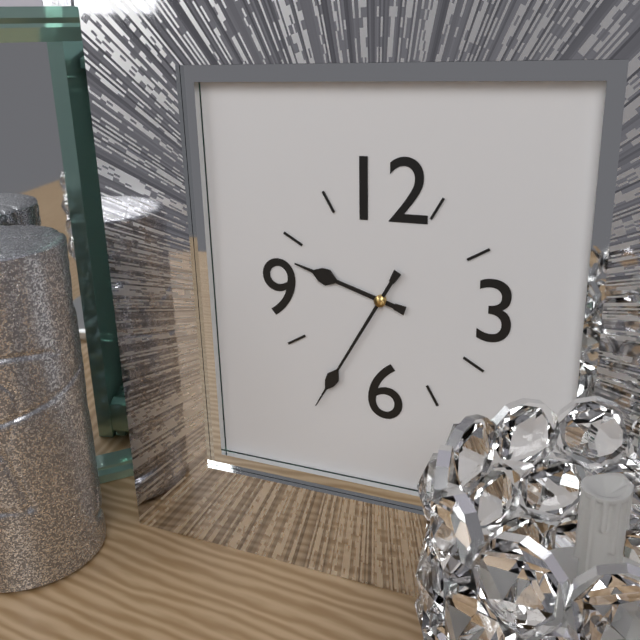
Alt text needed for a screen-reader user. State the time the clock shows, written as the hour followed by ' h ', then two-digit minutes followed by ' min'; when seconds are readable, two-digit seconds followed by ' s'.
9 h 35 min
